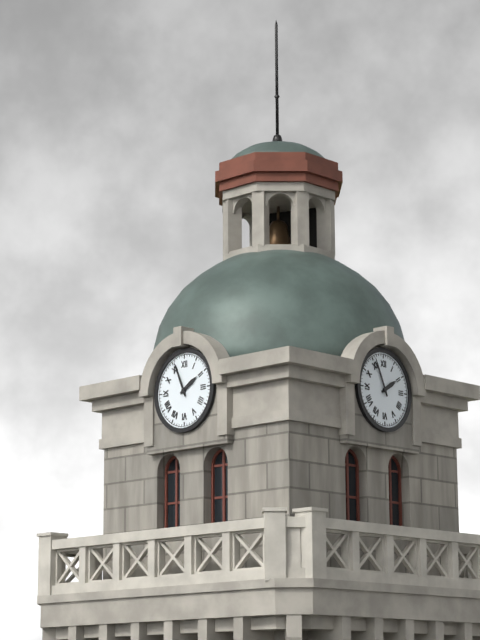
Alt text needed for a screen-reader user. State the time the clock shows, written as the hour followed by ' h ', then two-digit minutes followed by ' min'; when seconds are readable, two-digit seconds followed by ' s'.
1 h 56 min
